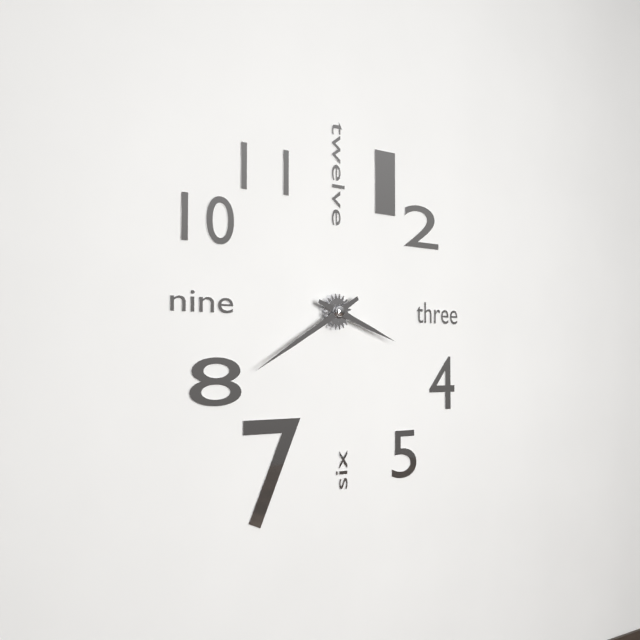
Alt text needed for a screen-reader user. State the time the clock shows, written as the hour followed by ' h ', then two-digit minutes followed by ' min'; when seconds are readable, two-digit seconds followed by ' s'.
3 h 40 min
